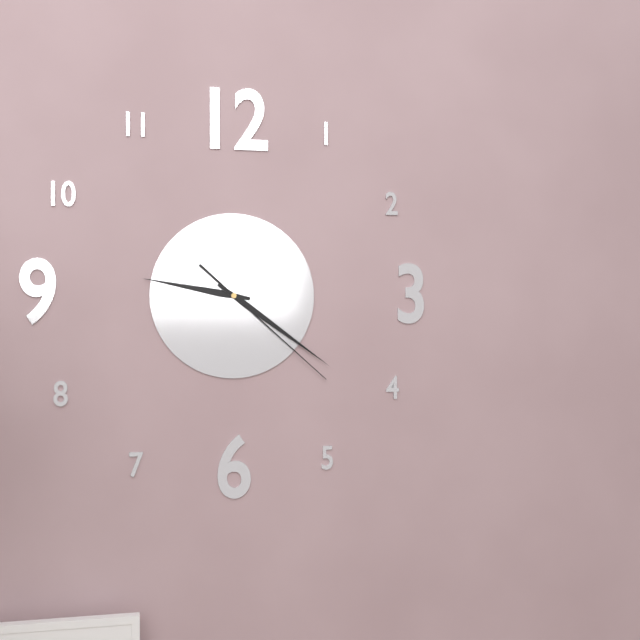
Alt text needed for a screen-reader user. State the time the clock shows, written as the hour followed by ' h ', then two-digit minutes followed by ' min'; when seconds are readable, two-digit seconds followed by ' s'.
9 h 21 min 22 s
